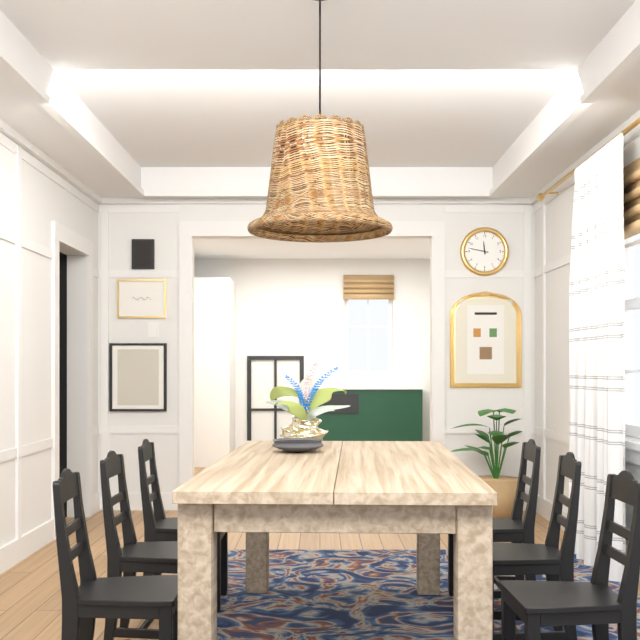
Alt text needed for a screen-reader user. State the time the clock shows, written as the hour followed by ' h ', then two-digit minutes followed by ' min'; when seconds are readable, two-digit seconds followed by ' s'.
11 h 47 min
